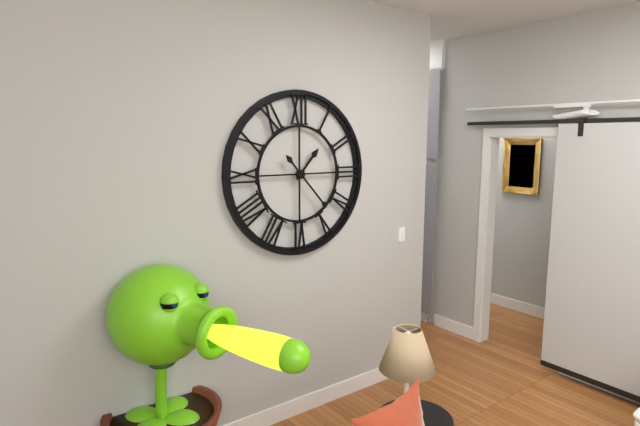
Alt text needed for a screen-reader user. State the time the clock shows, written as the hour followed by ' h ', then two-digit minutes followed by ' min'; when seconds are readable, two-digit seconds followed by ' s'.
1 h 23 min
